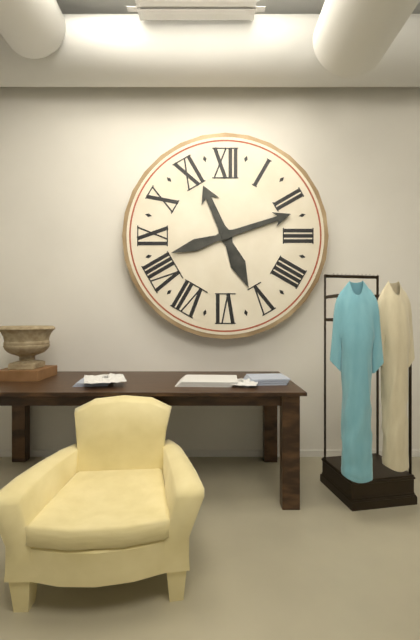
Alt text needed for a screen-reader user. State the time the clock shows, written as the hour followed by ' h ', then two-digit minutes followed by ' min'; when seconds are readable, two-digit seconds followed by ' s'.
11 h 12 min
